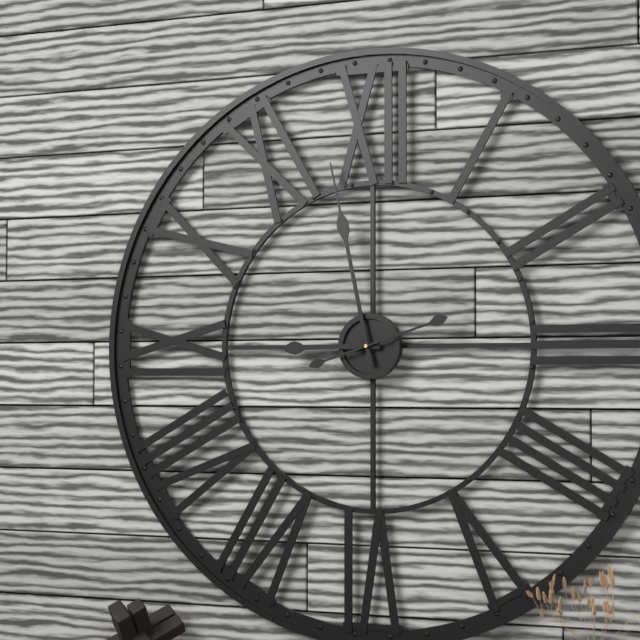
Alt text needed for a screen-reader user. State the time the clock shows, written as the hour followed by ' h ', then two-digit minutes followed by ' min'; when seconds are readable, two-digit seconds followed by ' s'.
8 h 58 min 12 s
